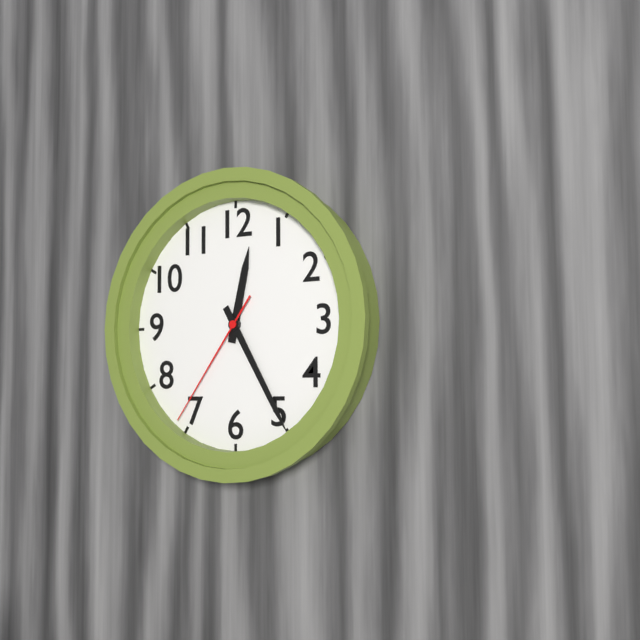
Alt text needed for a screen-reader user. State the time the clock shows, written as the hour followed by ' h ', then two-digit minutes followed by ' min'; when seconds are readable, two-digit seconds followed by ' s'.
12 h 25 min 36 s
